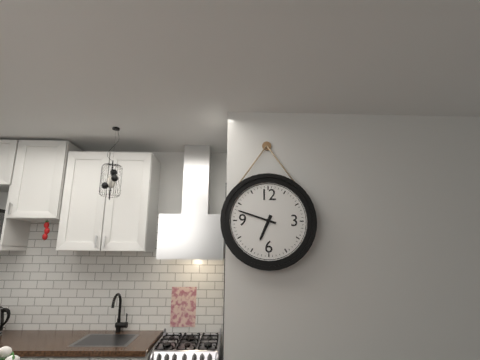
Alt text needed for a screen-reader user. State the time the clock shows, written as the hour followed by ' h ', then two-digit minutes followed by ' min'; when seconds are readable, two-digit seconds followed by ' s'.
6 h 48 min
